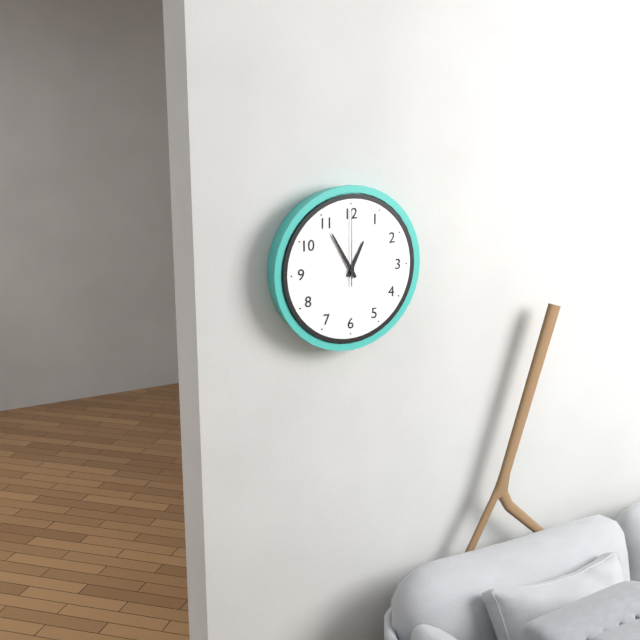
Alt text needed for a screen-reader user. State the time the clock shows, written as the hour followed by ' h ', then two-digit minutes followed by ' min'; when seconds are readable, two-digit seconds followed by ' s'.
12 h 55 min 00 s
